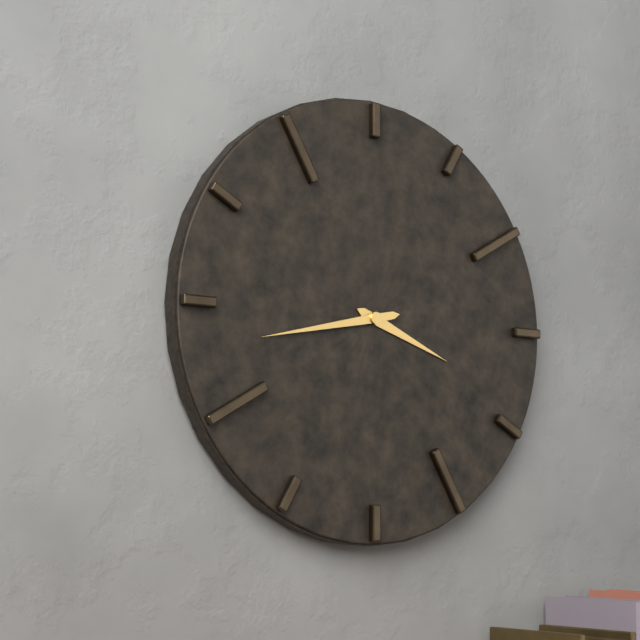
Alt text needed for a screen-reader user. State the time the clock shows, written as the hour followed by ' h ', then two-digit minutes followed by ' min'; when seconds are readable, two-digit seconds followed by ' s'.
3 h 43 min
